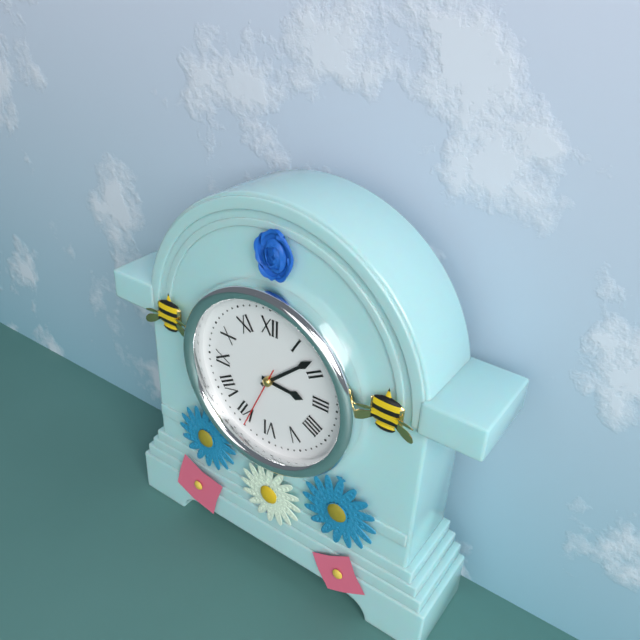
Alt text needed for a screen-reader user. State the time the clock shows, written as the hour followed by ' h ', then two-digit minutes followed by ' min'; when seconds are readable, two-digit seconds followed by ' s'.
3 h 08 min 34 s
